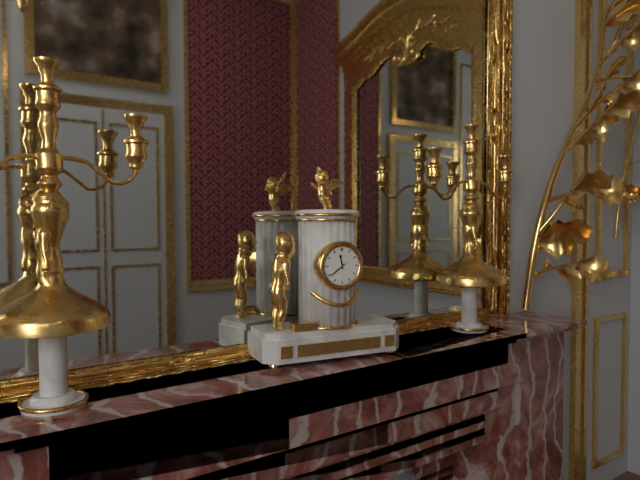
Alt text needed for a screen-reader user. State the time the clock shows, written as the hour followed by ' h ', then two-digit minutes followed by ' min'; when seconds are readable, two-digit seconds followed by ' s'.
11 h 39 min
